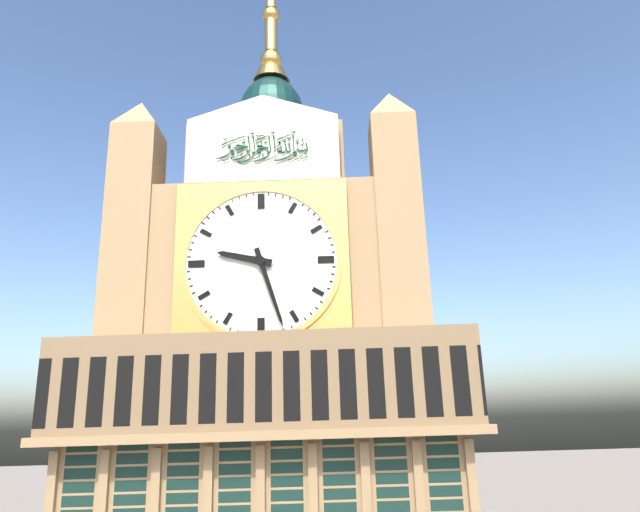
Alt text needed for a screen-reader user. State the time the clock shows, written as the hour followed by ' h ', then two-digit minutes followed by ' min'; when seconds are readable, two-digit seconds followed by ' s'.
9 h 27 min
